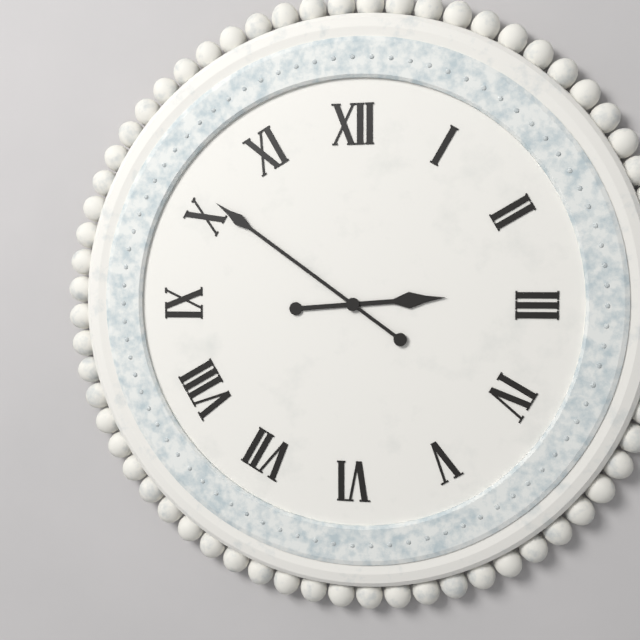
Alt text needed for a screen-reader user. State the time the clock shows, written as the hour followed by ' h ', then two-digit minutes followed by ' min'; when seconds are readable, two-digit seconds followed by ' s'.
2 h 51 min
